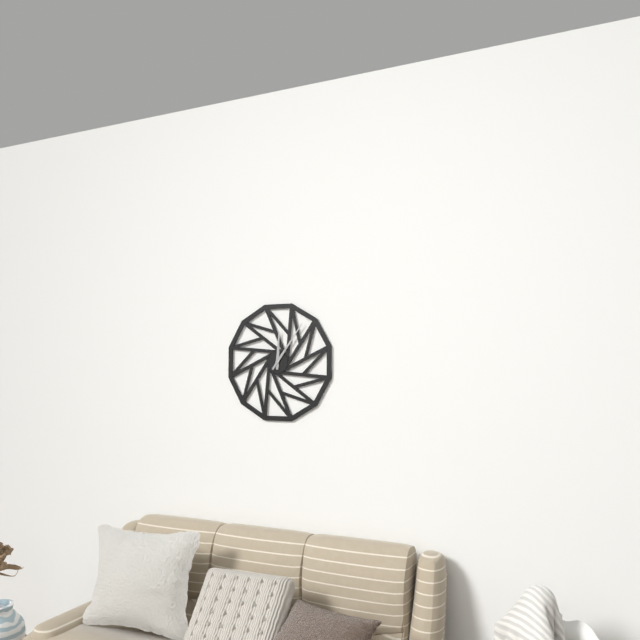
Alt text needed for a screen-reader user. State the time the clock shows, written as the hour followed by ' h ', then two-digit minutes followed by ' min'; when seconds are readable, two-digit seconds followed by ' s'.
12 h 06 min
